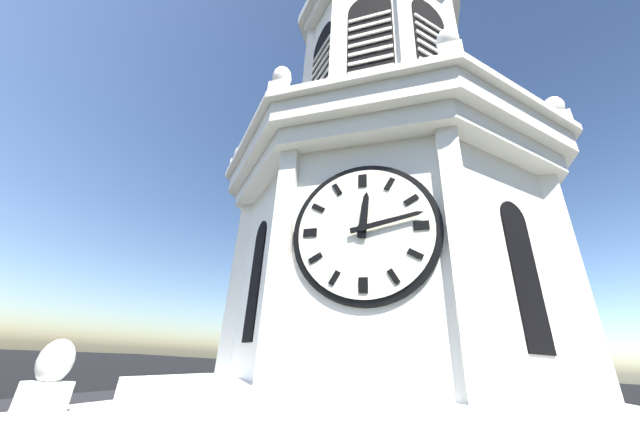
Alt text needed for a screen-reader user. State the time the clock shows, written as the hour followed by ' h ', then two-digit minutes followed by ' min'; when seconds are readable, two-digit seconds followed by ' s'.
12 h 13 min
